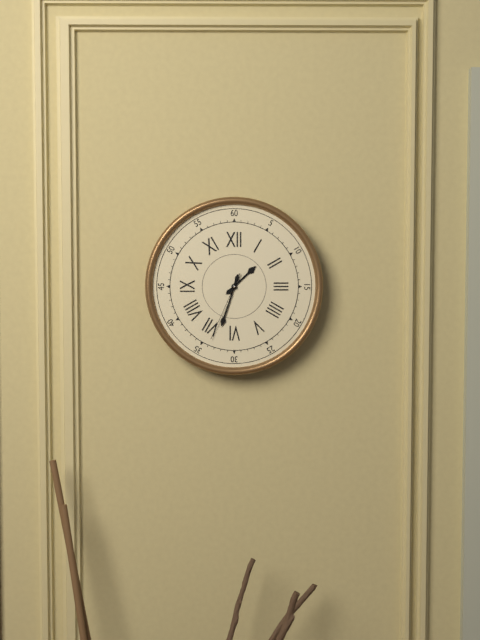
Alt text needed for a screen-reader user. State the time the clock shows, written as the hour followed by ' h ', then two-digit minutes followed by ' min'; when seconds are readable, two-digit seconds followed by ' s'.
1 h 33 min 34 s
